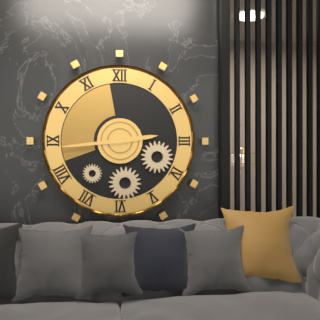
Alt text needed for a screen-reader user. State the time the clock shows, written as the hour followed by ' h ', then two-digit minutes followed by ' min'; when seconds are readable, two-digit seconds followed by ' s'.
2 h 44 min
